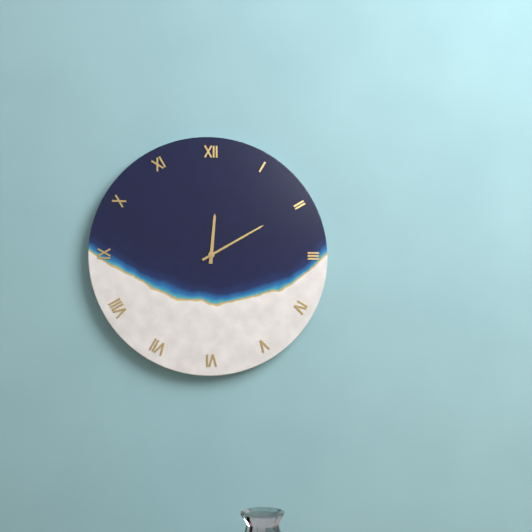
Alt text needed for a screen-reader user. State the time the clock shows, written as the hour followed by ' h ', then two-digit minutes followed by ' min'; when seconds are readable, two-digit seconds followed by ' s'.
12 h 10 min
